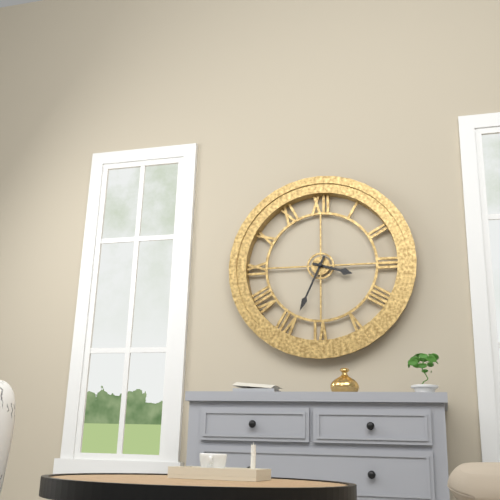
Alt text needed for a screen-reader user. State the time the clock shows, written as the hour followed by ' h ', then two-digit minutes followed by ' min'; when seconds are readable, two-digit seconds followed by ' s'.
3 h 34 min
